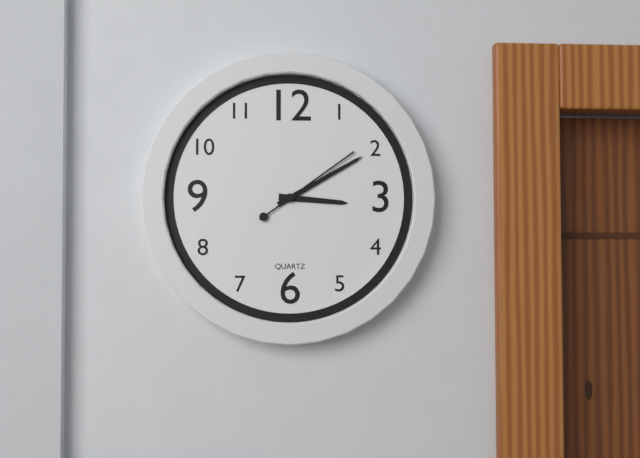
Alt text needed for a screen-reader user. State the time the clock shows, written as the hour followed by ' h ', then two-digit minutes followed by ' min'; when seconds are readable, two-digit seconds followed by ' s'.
3 h 10 min 09 s
